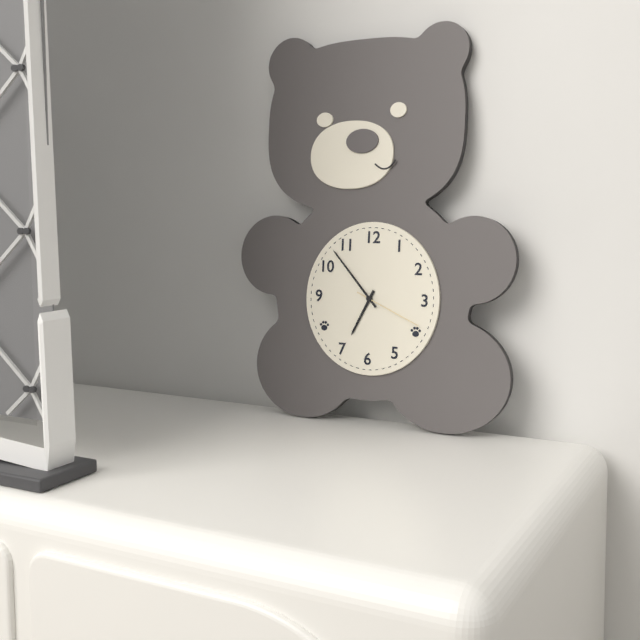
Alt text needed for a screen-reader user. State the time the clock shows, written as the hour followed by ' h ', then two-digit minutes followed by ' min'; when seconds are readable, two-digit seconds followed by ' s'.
6 h 53 min 19 s
